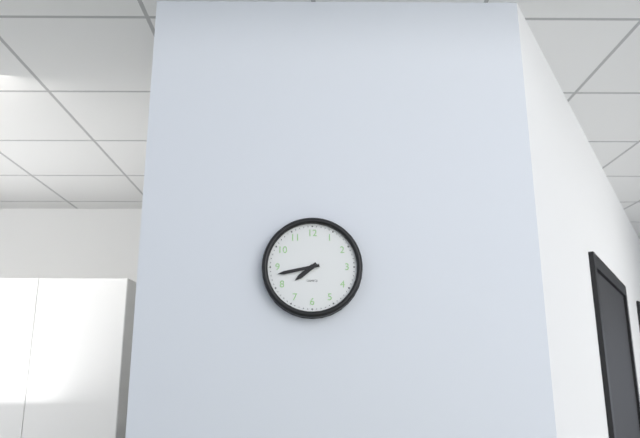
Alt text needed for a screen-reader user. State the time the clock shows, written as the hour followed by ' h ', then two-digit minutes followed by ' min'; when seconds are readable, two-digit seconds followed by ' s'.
7 h 43 min
